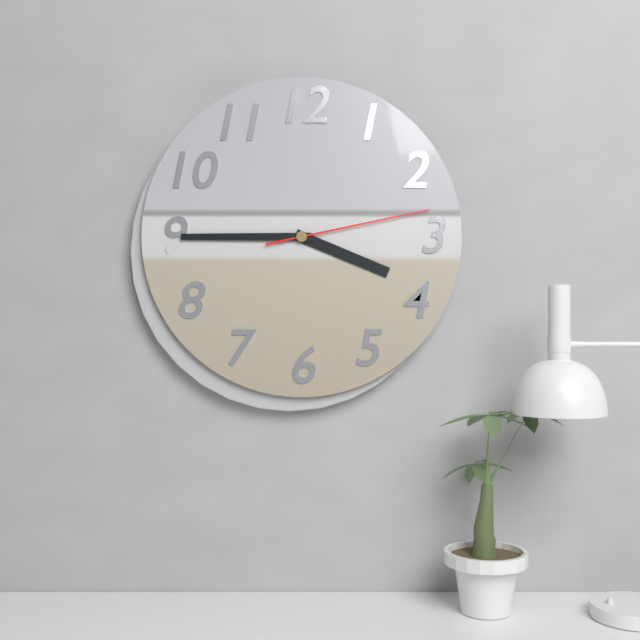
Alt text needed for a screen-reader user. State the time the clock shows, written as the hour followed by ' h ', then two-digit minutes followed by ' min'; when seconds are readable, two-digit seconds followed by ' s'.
3 h 45 min 13 s
